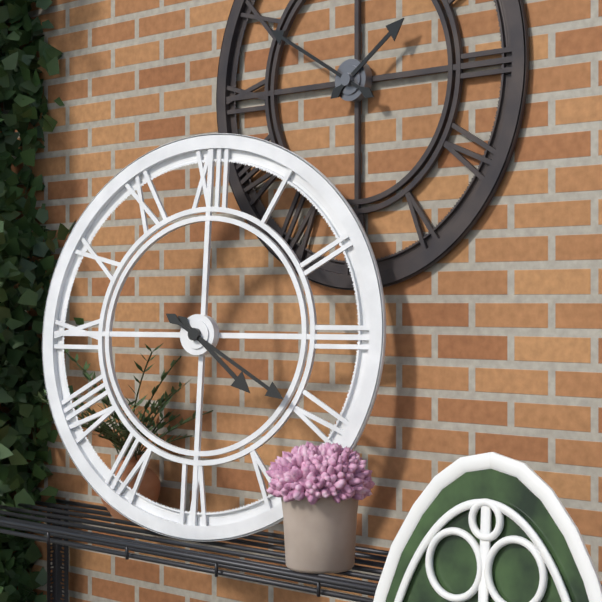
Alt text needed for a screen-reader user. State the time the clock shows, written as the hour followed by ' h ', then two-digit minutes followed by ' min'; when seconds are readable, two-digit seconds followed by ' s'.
4 h 20 min
